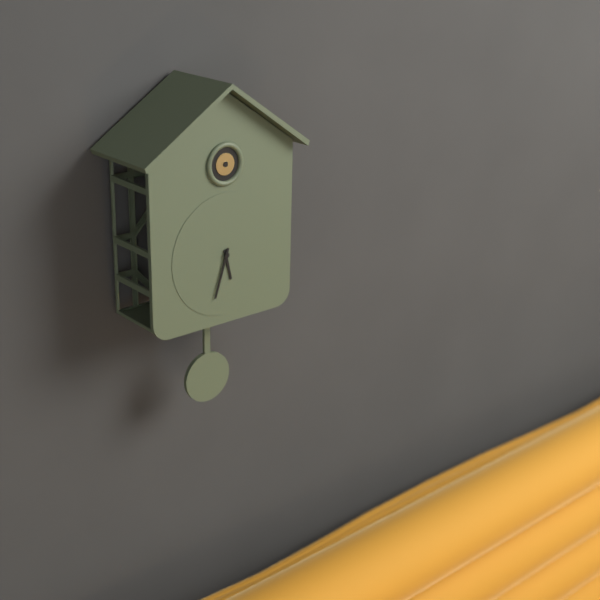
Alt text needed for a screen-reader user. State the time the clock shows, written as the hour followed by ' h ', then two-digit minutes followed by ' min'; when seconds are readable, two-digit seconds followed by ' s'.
5 h 33 min
